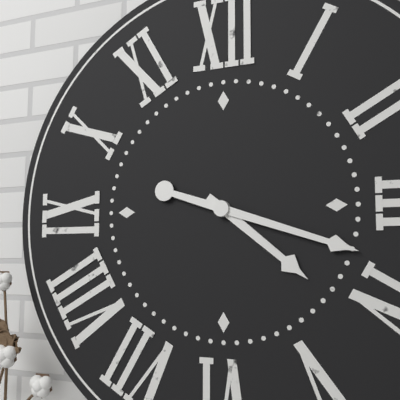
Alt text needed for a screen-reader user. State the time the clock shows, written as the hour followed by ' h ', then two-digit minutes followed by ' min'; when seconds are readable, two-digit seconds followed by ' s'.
4 h 18 min
